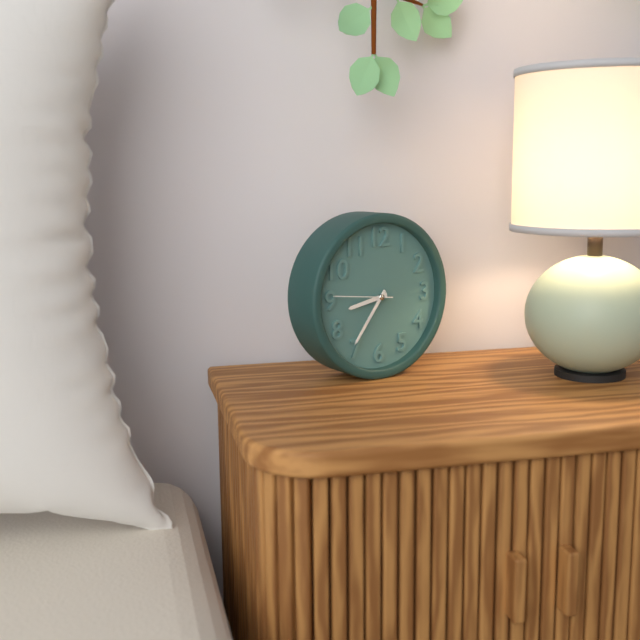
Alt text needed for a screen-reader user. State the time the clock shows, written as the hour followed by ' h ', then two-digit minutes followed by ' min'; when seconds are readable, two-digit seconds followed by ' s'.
8 h 36 min 46 s
